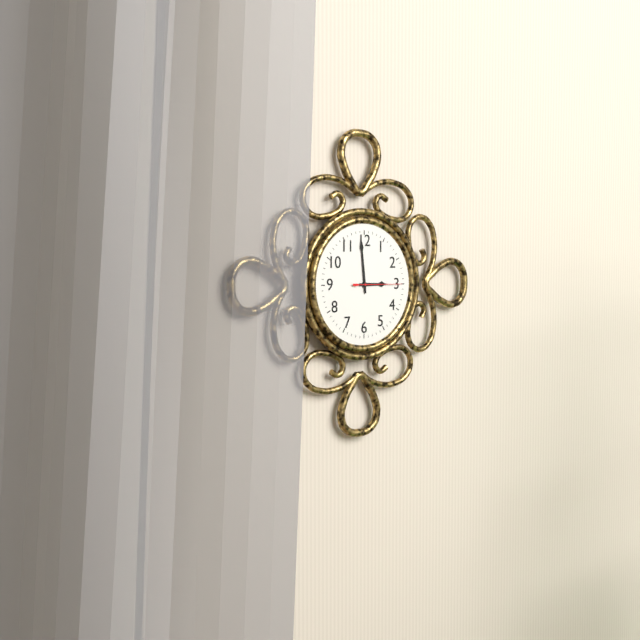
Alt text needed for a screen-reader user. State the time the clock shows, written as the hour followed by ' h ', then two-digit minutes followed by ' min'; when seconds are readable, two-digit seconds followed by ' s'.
2 h 59 min
